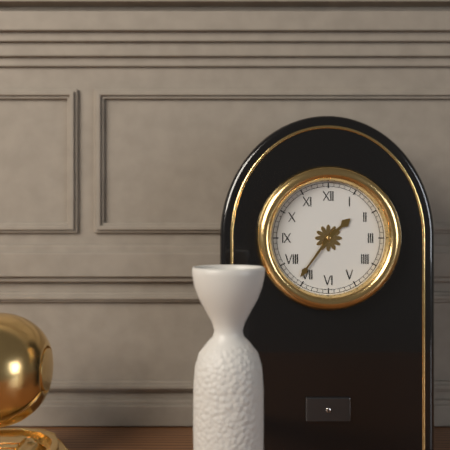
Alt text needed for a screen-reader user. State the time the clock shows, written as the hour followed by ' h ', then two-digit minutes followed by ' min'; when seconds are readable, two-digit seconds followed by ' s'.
1 h 36 min
